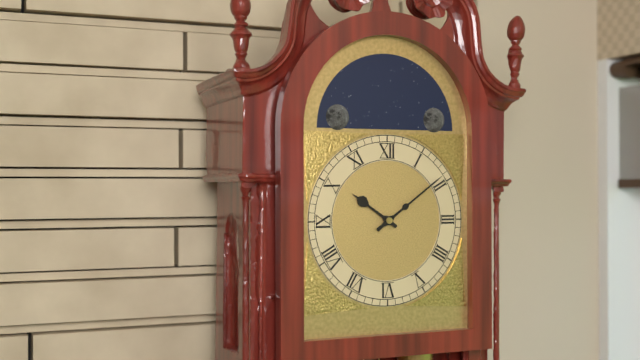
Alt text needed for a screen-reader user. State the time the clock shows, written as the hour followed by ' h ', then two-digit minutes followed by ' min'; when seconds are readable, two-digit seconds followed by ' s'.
10 h 09 min
